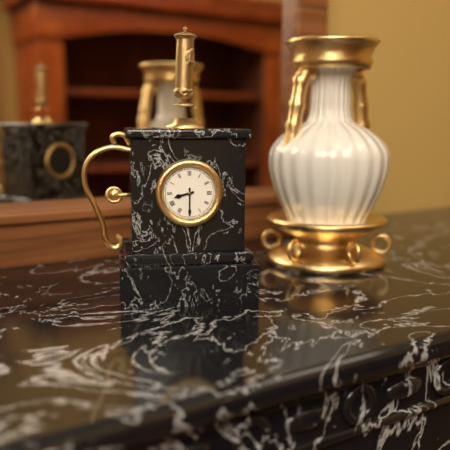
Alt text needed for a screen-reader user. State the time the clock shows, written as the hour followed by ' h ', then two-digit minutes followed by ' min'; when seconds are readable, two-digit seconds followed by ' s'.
8 h 30 min
